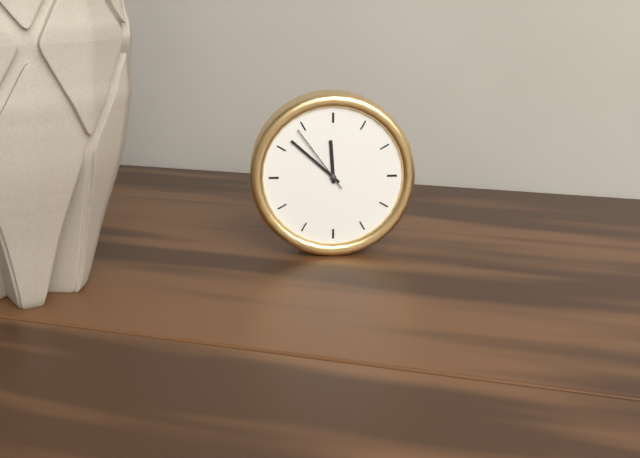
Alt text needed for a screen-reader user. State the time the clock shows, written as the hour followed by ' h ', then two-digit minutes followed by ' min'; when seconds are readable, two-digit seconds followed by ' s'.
11 h 52 min 54 s
